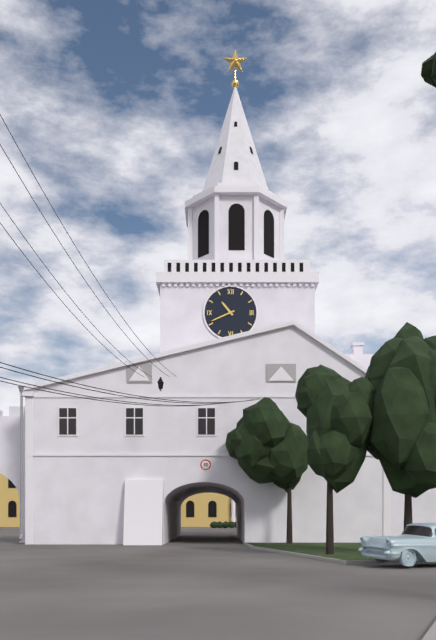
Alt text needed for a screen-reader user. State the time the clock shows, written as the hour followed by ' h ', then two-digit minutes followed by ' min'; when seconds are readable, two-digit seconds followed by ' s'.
10 h 41 min
